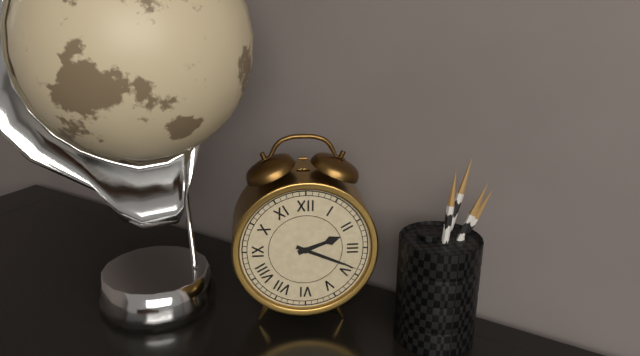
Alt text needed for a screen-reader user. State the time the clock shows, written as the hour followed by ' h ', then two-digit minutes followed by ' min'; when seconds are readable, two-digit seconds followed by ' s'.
2 h 19 min
